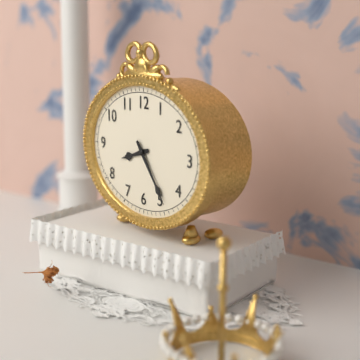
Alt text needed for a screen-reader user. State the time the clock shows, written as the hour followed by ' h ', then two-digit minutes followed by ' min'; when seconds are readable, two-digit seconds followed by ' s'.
8 h 24 min
